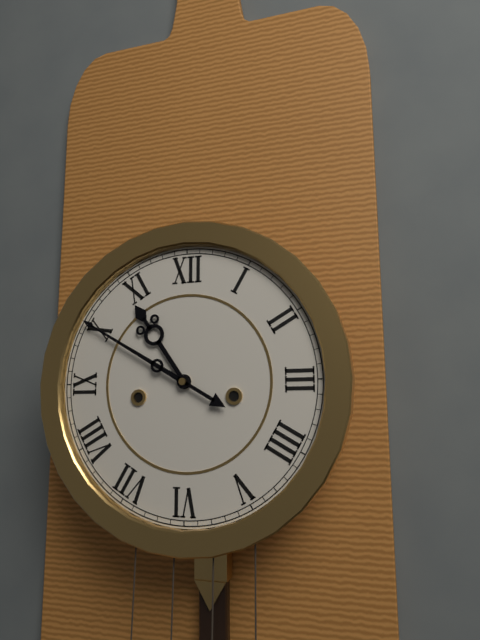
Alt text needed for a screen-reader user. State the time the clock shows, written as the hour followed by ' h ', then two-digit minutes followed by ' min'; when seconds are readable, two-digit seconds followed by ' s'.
10 h 50 min
